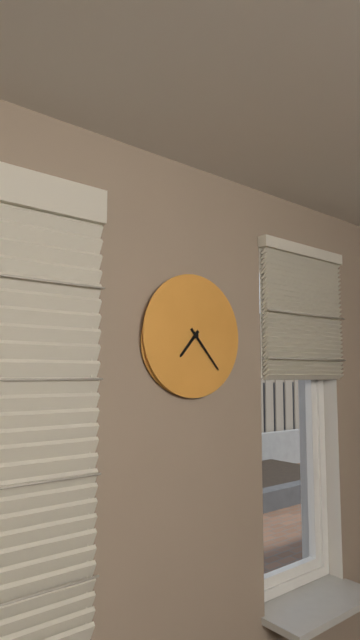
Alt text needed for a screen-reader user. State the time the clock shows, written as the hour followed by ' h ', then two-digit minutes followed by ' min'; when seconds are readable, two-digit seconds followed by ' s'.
7 h 23 min
